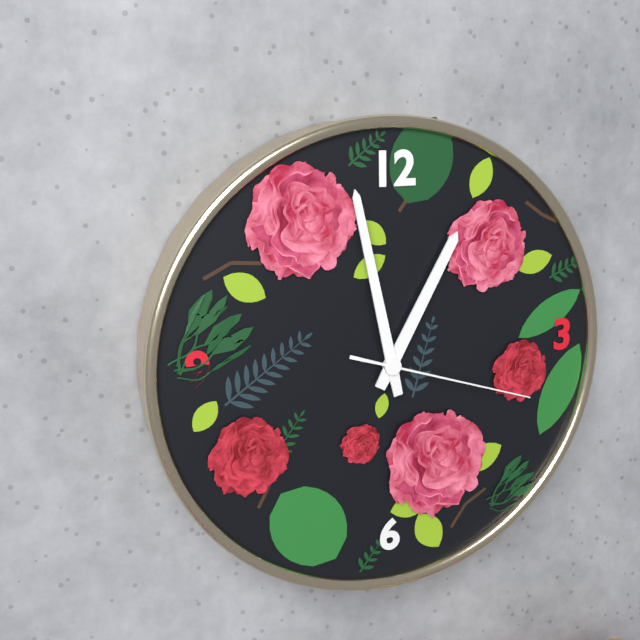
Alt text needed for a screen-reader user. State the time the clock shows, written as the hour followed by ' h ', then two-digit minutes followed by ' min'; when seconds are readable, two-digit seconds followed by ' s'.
12 h 58 min 18 s
